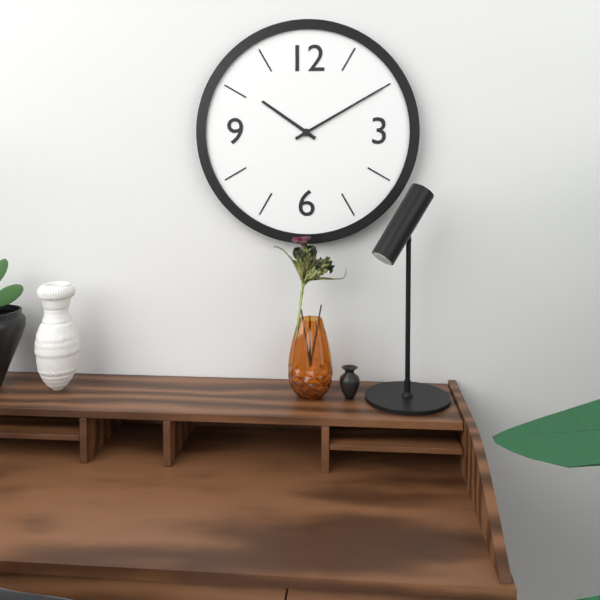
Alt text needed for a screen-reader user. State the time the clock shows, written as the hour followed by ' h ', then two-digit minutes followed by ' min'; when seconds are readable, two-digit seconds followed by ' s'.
10 h 10 min
